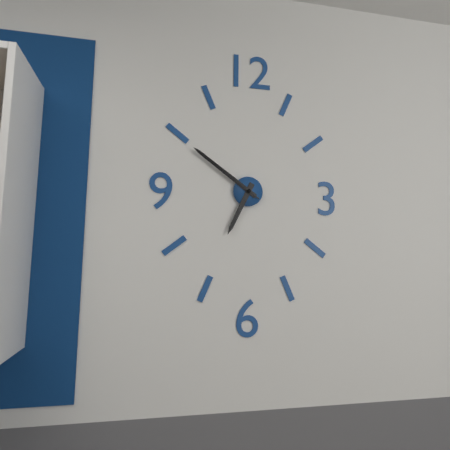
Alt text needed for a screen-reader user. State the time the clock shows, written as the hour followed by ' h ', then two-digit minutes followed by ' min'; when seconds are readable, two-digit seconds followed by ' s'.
6 h 51 min 51 s
